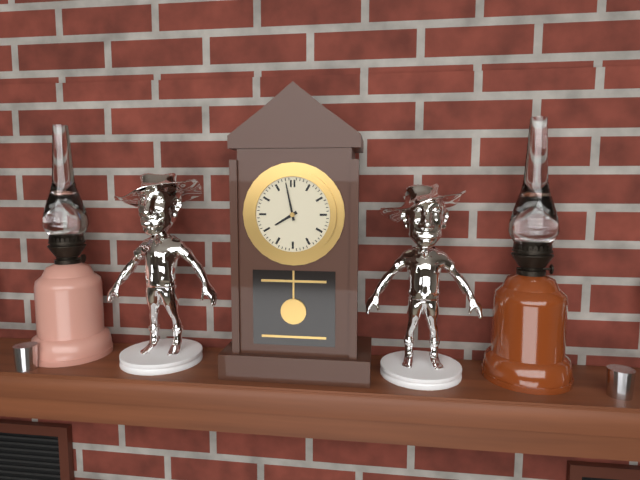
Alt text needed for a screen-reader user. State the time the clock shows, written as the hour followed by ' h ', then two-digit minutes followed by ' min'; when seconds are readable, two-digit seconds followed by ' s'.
7 h 58 min
